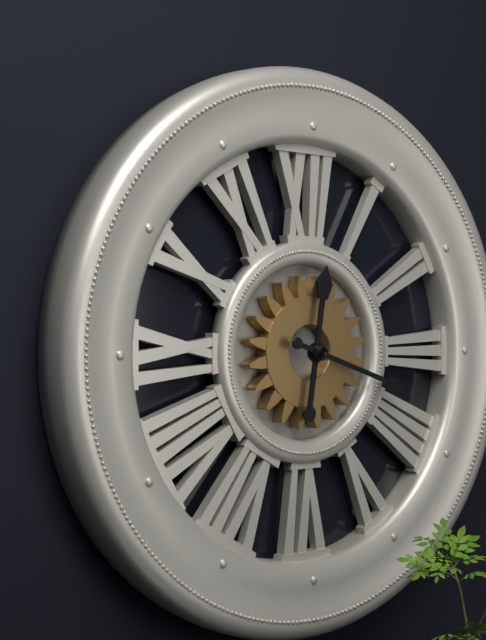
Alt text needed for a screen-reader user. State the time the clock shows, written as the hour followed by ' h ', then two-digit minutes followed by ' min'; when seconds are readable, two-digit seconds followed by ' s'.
12 h 18 min
